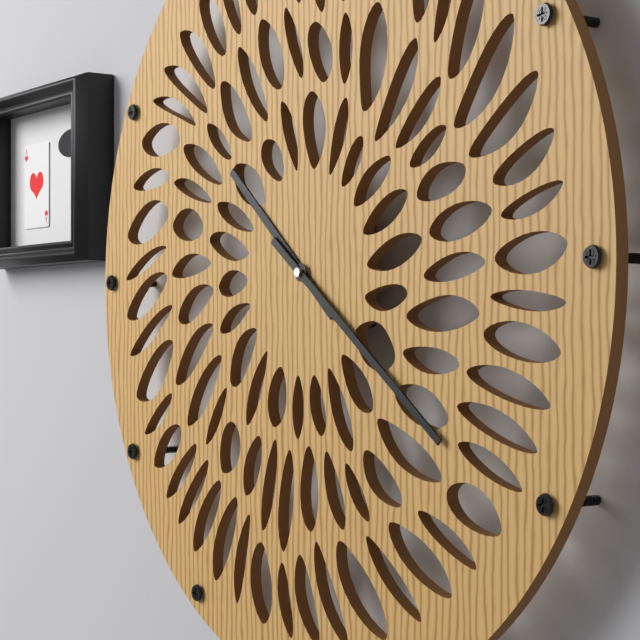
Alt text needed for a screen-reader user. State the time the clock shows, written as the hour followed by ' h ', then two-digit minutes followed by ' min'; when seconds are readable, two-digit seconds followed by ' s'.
10 h 21 min
